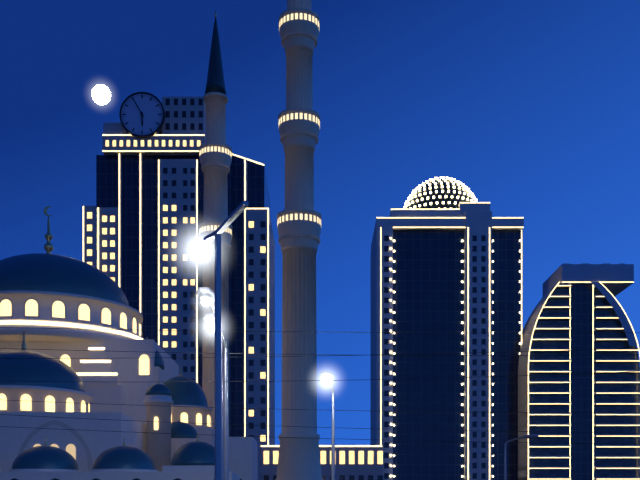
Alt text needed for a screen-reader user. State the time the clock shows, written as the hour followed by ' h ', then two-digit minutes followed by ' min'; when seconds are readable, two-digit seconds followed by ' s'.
5 h 55 min
